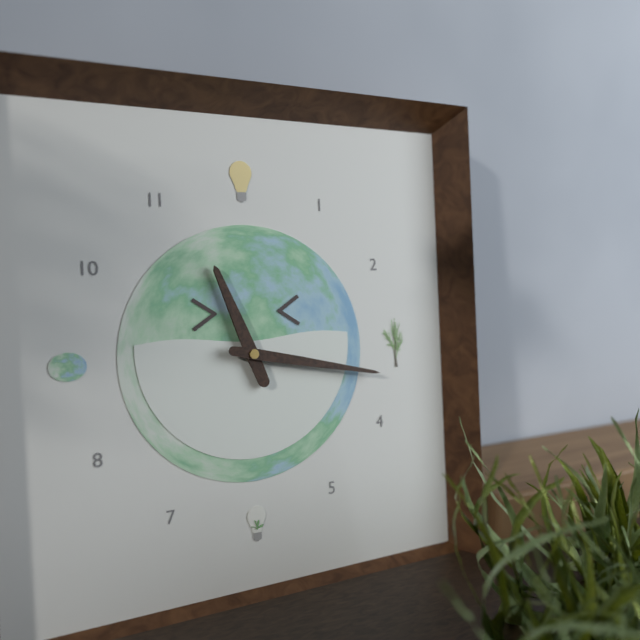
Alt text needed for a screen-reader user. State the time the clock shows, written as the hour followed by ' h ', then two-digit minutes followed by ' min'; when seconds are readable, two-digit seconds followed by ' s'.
11 h 17 min
